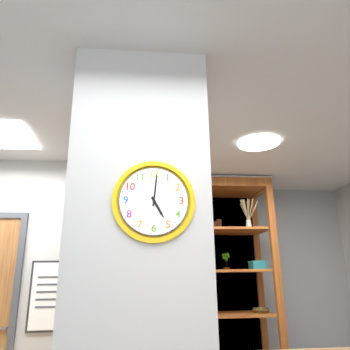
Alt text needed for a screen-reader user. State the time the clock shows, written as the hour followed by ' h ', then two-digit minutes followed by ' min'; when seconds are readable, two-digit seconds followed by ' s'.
5 h 01 min
